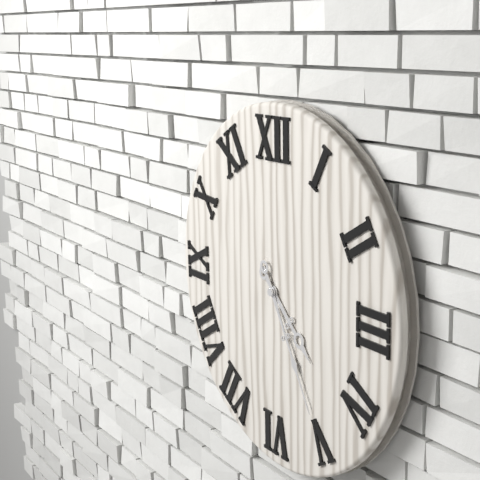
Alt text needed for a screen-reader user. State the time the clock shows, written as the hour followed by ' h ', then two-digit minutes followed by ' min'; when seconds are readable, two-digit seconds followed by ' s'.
4 h 25 min
